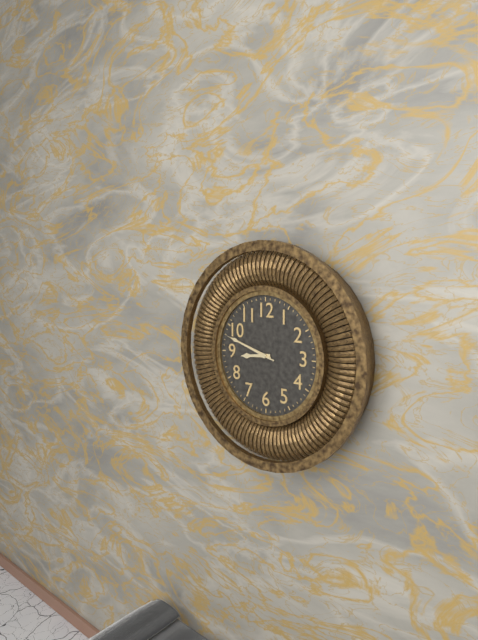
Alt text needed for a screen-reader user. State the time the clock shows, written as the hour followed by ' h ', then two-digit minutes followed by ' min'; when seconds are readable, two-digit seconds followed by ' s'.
8 h 48 min 48 s
